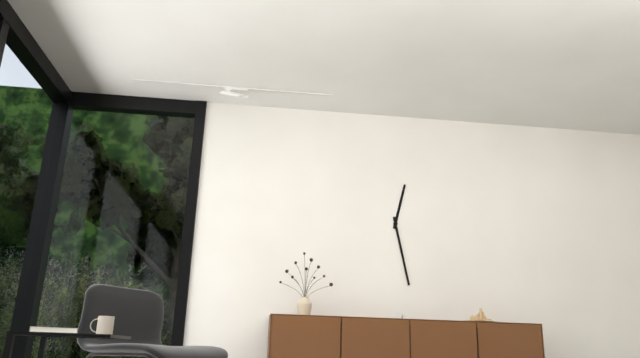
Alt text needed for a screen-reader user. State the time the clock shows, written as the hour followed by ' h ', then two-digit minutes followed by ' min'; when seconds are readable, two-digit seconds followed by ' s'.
12 h 28 min
